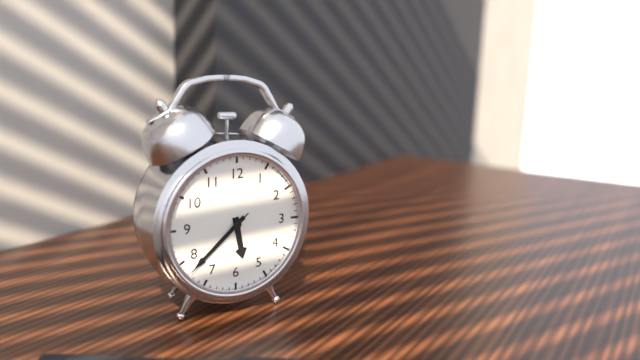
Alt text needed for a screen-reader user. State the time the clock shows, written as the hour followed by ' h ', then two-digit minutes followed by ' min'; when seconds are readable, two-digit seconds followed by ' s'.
5 h 38 min 38 s
